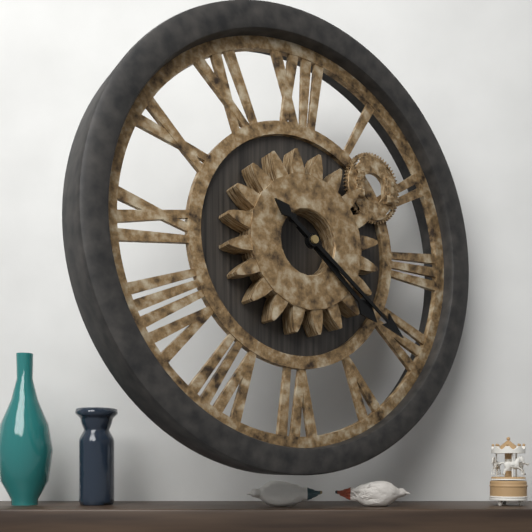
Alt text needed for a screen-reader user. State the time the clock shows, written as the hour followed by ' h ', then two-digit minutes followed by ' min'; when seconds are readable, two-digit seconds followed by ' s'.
4 h 21 min
